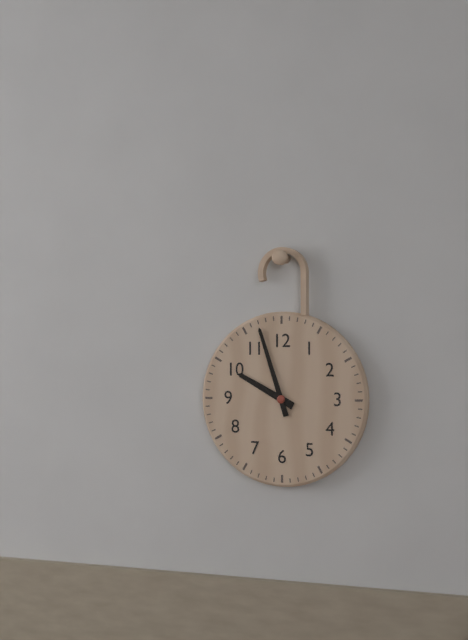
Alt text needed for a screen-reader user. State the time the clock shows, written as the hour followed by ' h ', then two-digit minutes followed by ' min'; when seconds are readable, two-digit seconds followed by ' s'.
9 h 57 min
